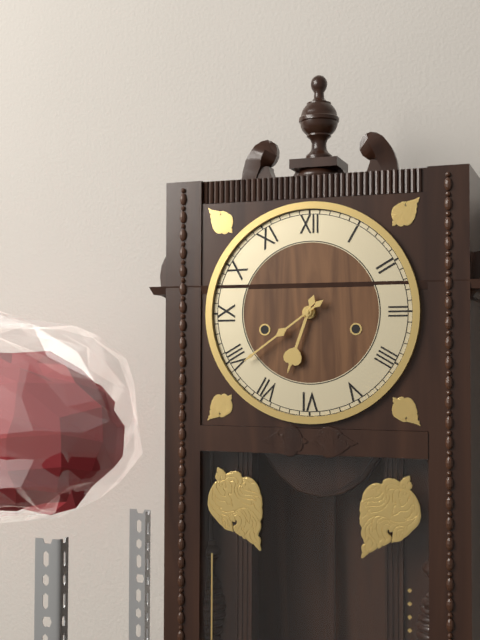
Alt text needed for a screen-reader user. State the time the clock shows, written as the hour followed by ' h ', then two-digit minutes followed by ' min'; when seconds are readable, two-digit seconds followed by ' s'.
6 h 39 min
